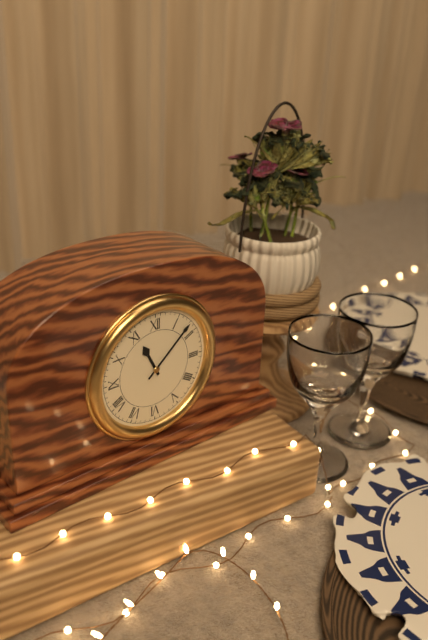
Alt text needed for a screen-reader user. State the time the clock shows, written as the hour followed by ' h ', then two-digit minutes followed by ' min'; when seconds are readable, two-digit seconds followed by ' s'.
11 h 08 min
